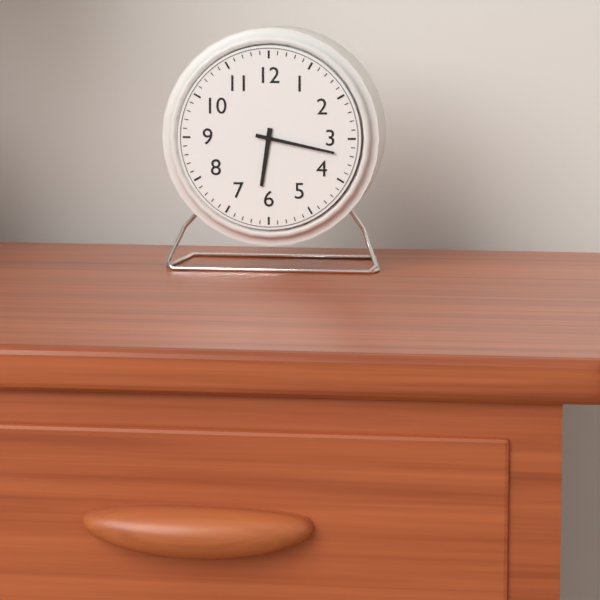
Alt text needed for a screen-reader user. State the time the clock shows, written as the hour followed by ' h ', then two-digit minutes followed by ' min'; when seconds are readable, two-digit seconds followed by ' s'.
6 h 17 min
